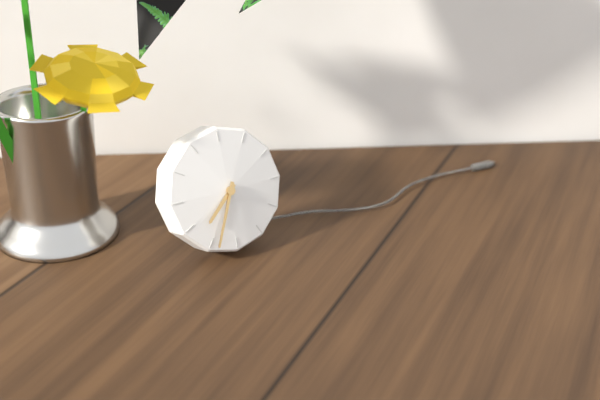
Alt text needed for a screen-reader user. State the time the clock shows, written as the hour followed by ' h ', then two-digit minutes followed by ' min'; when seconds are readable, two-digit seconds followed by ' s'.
7 h 34 min
